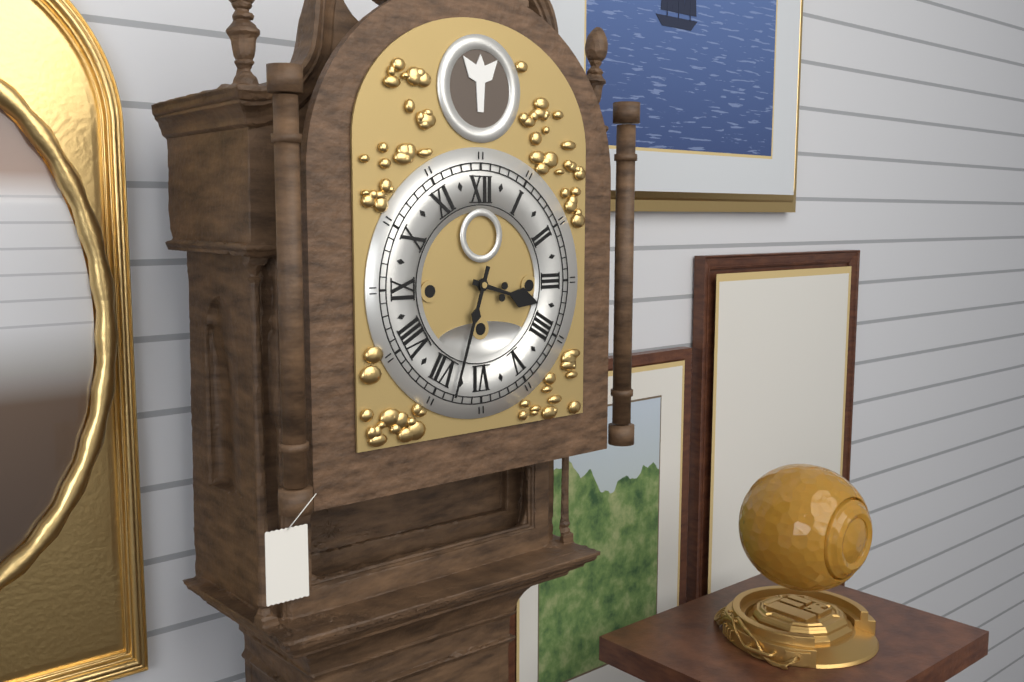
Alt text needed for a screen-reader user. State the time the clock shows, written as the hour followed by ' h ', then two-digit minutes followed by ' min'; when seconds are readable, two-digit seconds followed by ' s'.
3 h 33 min
